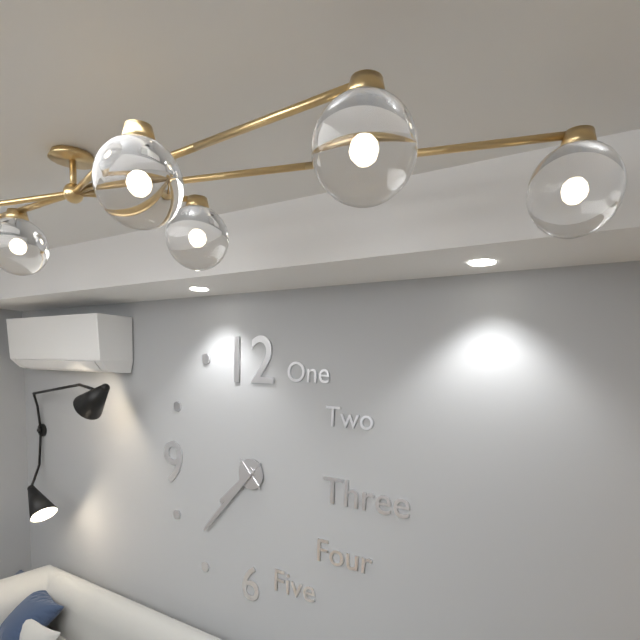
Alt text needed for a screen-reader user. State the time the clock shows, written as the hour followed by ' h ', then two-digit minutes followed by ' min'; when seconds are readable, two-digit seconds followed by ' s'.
7 h 37 min
